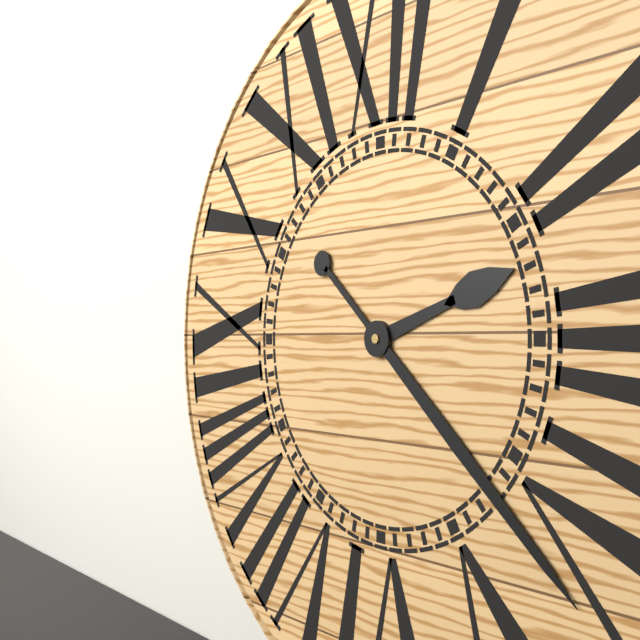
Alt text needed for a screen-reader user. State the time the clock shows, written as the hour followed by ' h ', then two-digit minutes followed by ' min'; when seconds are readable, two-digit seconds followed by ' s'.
2 h 22 min
